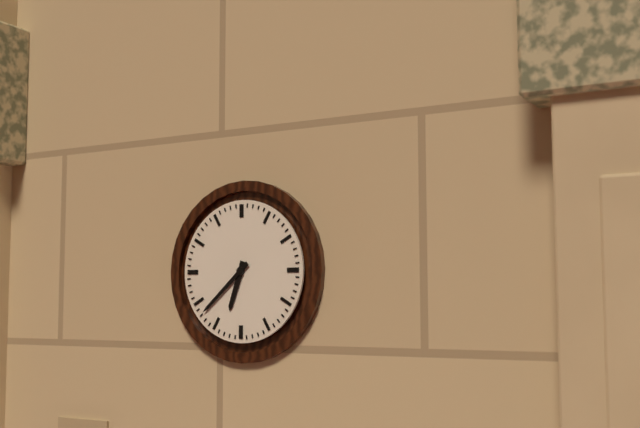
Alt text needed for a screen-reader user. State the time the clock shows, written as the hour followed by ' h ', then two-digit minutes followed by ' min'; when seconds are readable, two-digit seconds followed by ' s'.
6 h 38 min
